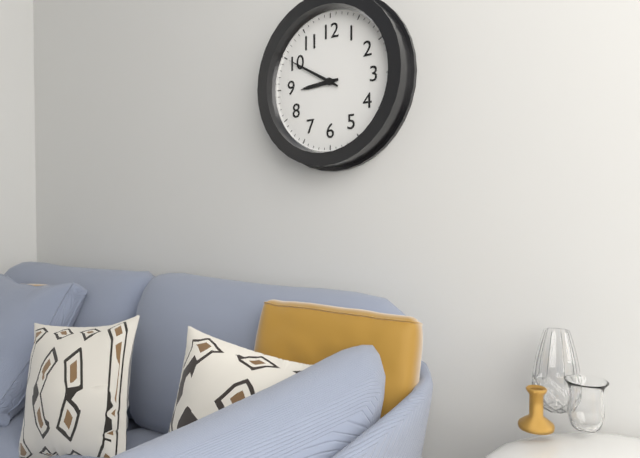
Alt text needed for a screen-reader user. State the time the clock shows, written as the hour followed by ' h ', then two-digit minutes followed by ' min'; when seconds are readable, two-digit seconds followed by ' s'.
8 h 50 min
